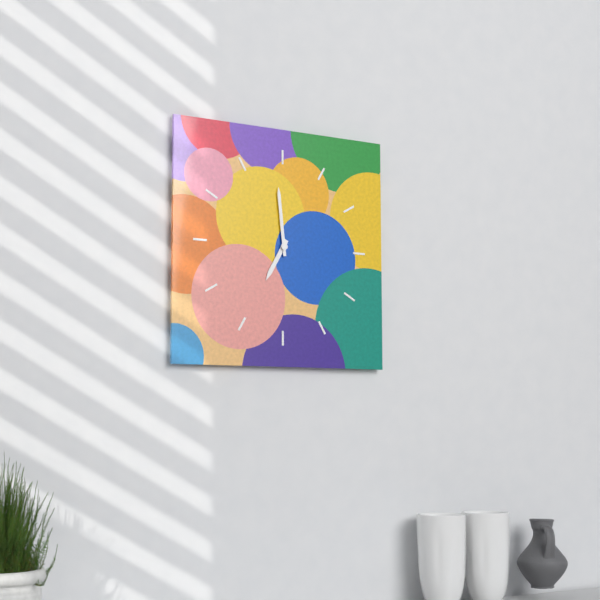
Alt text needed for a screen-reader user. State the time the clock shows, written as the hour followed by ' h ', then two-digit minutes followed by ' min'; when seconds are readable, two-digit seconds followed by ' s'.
6 h 59 min
